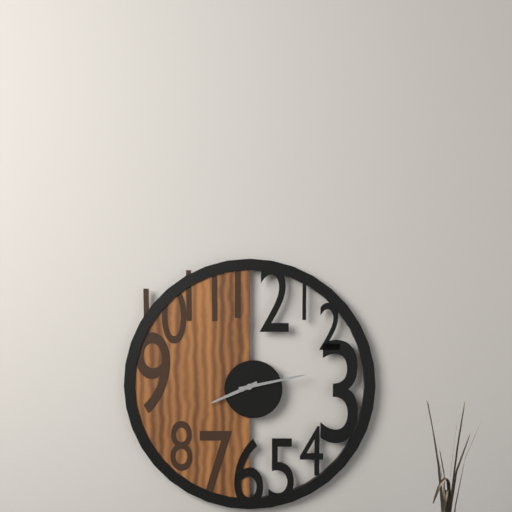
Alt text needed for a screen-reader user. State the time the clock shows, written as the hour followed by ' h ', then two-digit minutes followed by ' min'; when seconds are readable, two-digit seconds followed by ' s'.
8 h 13 min
